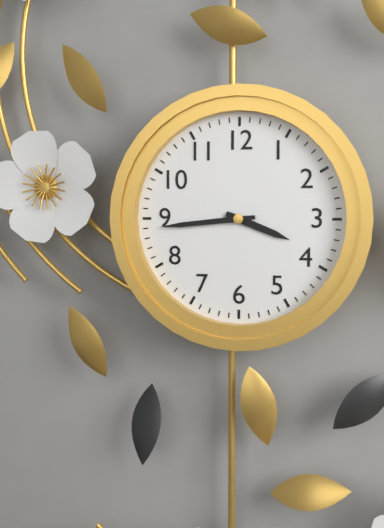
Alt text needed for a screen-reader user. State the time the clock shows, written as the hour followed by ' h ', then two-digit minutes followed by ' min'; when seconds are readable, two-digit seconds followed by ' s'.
3 h 44 min
